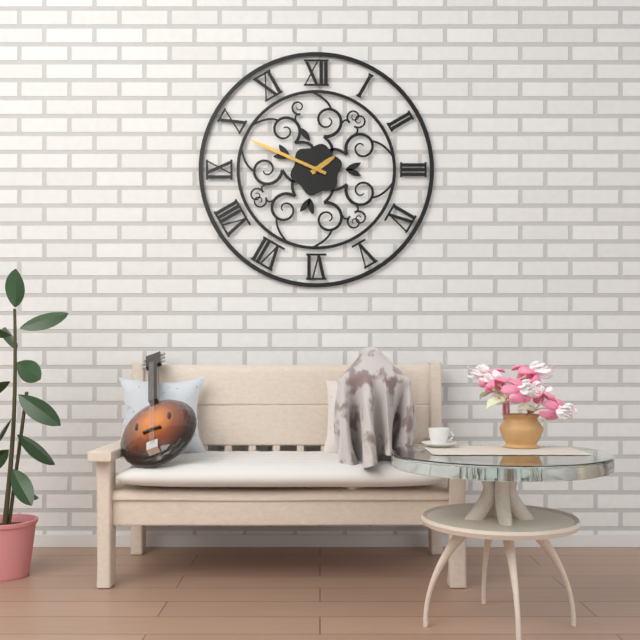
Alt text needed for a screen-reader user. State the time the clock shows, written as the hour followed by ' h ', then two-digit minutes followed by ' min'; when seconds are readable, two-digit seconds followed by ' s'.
1 h 49 min
